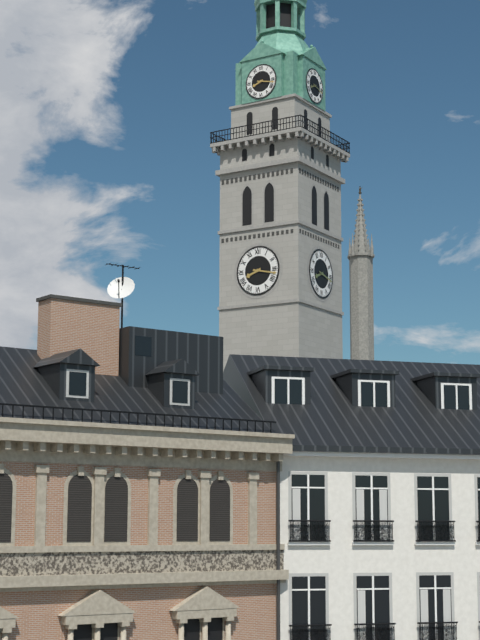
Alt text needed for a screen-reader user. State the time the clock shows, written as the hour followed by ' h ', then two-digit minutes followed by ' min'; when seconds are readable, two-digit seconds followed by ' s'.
8 h 17 min
